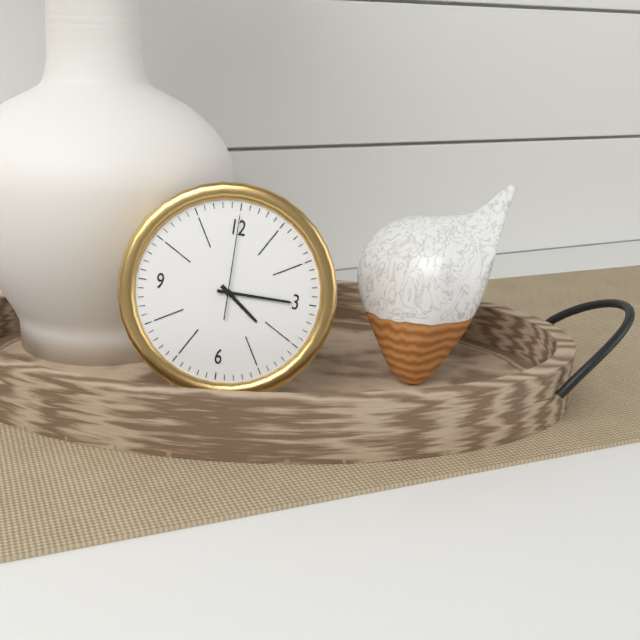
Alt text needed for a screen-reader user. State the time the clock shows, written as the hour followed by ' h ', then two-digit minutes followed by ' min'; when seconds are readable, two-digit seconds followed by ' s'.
4 h 15 min 00 s
